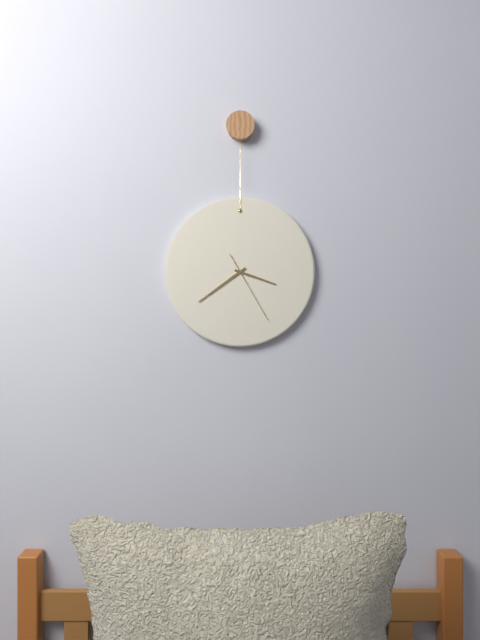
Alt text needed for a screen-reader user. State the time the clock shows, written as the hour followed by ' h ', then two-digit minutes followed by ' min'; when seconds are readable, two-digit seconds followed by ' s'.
3 h 39 min 25 s
